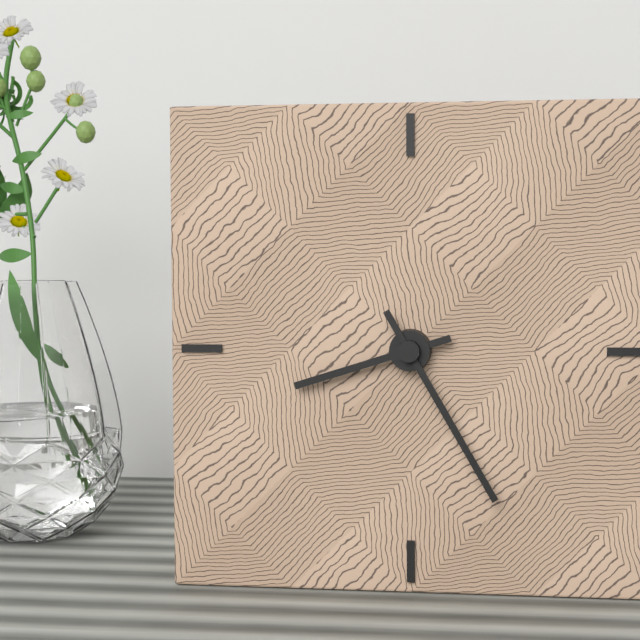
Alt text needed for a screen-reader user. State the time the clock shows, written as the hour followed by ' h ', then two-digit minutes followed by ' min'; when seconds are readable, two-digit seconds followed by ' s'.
8 h 25 min
